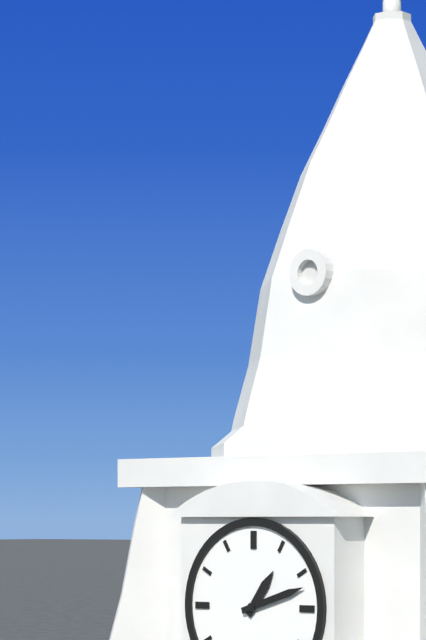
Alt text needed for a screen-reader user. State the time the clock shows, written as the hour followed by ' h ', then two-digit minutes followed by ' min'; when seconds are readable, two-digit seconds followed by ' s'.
1 h 12 min
